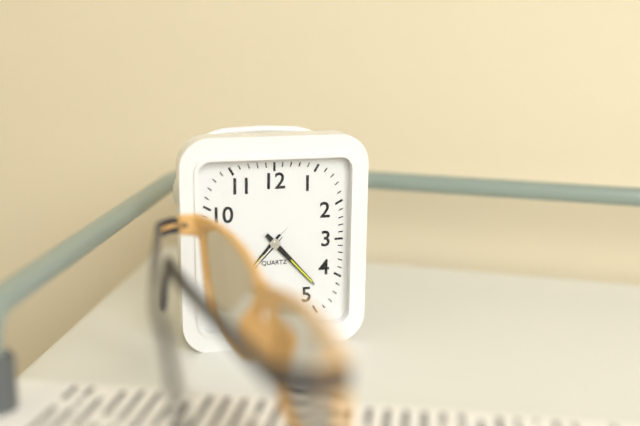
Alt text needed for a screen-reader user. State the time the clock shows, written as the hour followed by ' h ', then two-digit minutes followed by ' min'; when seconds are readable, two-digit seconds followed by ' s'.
7 h 23 min 37 s
